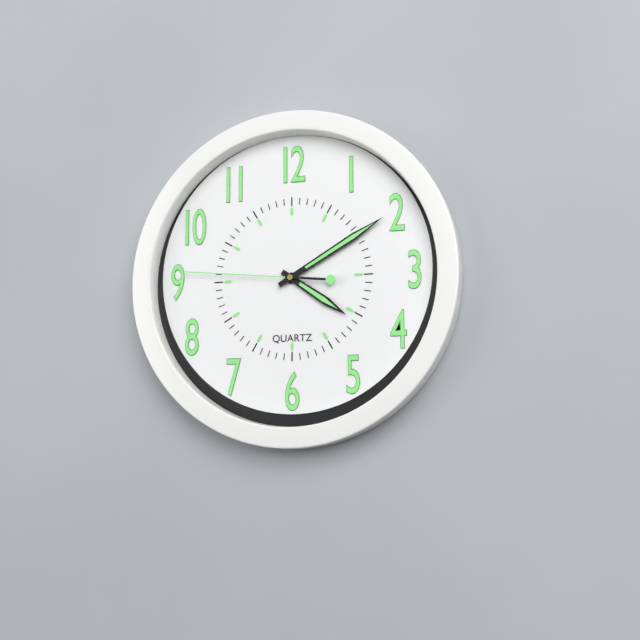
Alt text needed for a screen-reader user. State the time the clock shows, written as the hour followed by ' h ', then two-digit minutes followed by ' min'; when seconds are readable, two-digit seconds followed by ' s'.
4 h 10 min 46 s
